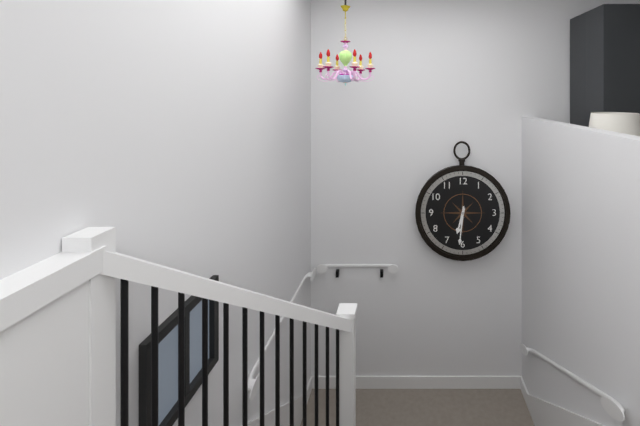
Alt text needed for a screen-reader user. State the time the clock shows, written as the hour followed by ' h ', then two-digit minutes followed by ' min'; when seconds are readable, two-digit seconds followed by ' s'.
6 h 31 min
